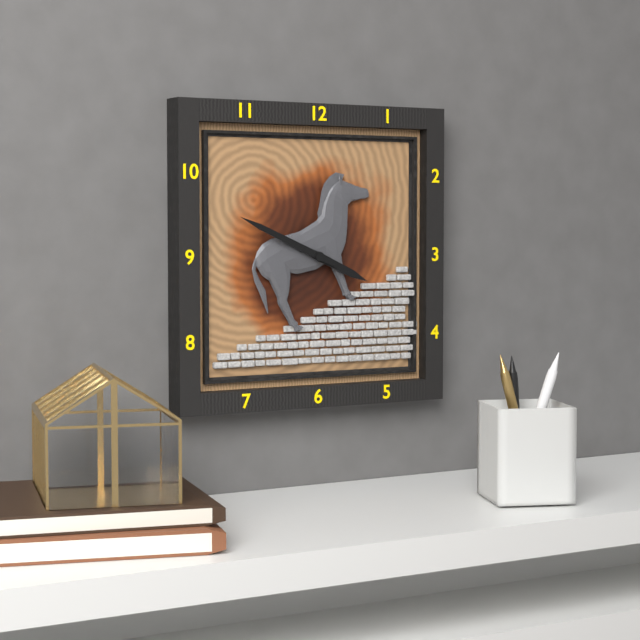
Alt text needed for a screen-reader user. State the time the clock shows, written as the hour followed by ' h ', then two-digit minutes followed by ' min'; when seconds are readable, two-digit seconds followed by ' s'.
3 h 49 min
